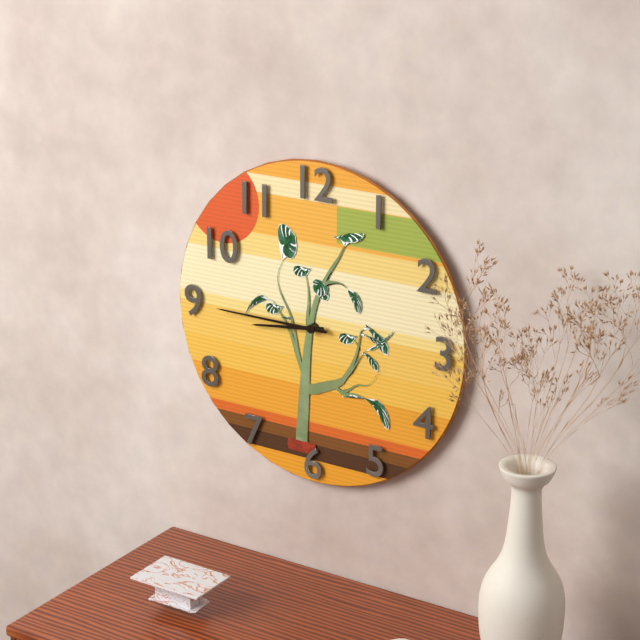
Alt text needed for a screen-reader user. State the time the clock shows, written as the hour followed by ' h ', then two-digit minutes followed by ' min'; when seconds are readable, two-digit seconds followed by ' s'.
8 h 45 min
